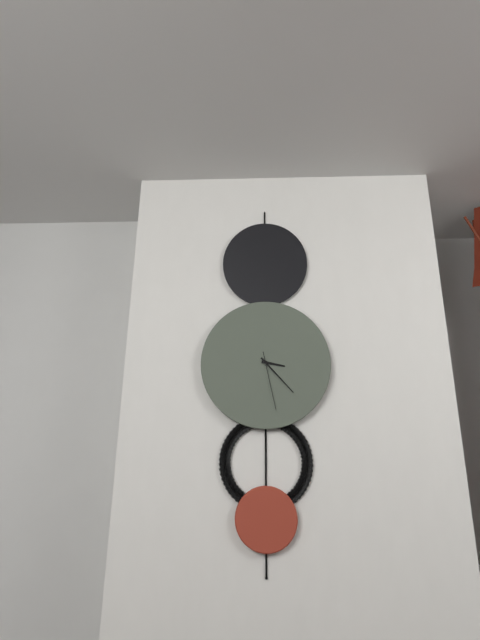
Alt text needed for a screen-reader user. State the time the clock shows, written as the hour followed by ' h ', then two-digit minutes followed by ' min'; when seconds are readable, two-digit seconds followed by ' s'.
3 h 23 min 28 s
